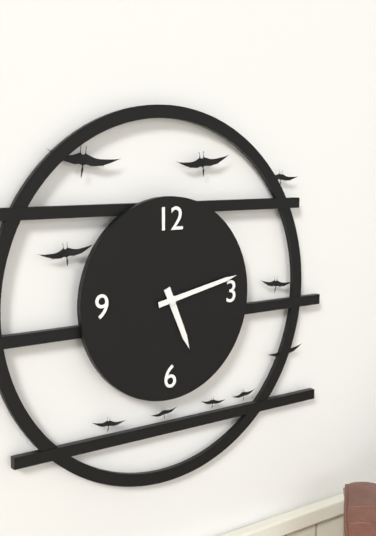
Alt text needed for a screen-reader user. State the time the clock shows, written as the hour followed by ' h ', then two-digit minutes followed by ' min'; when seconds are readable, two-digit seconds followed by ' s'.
5 h 13 min
